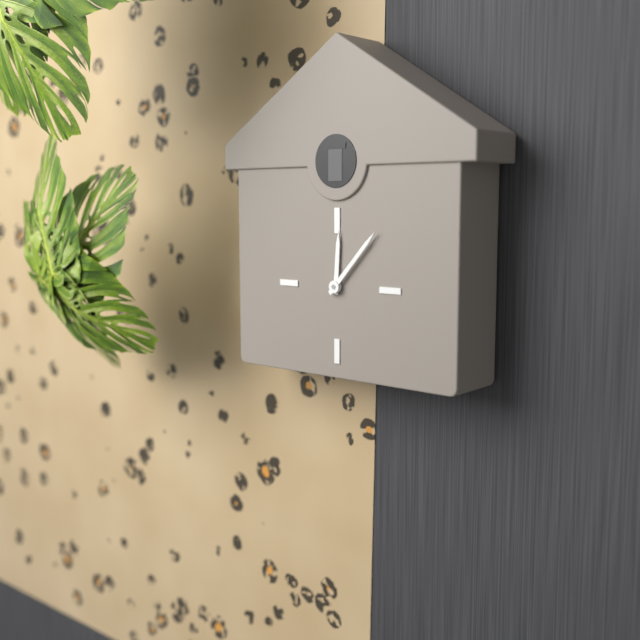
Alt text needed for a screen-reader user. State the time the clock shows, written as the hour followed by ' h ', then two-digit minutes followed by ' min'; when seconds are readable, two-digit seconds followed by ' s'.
12 h 07 min
